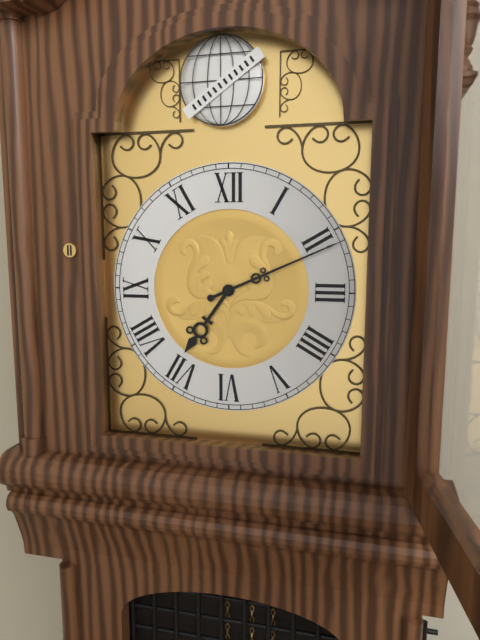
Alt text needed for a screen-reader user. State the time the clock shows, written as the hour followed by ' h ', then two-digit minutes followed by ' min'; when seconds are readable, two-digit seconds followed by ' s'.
7 h 11 min
